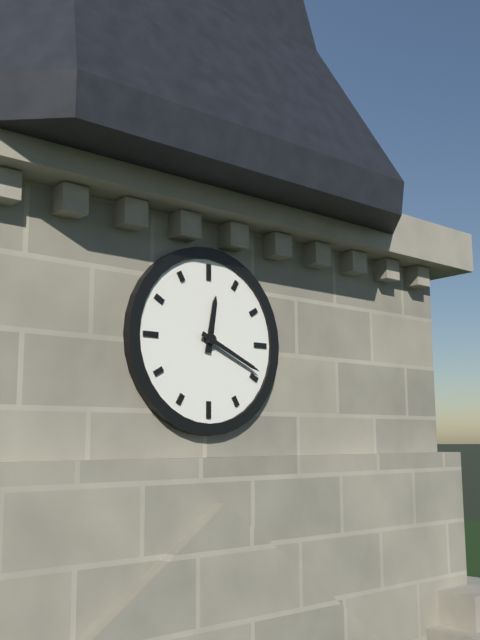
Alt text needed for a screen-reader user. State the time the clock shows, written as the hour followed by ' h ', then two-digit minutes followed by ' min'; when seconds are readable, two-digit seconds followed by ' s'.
12 h 19 min
